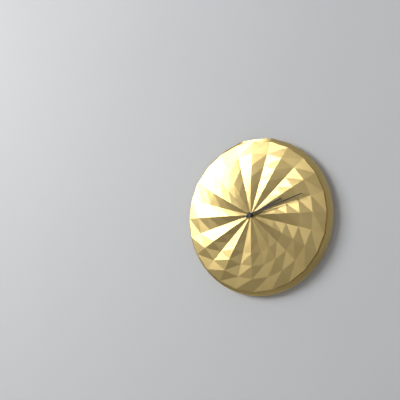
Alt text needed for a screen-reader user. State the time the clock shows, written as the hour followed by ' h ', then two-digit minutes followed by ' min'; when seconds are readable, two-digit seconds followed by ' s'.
2 h 12 min
